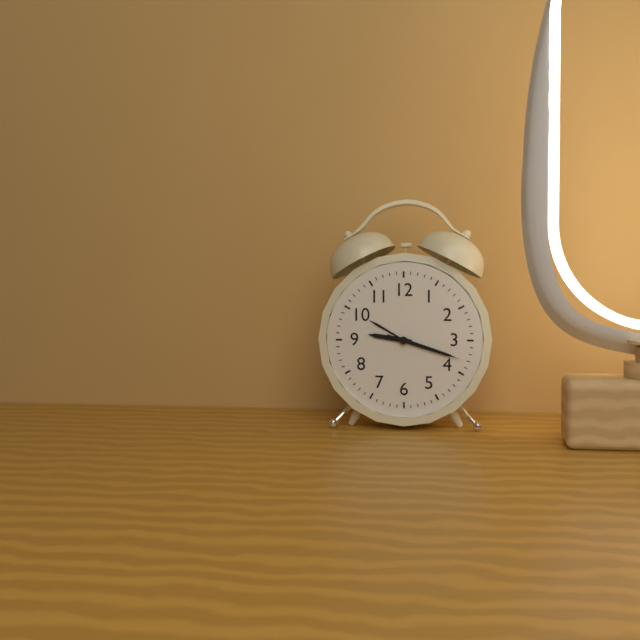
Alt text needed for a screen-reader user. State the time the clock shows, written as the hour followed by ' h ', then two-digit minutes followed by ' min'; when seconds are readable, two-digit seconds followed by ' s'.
9 h 18 min 18 s
